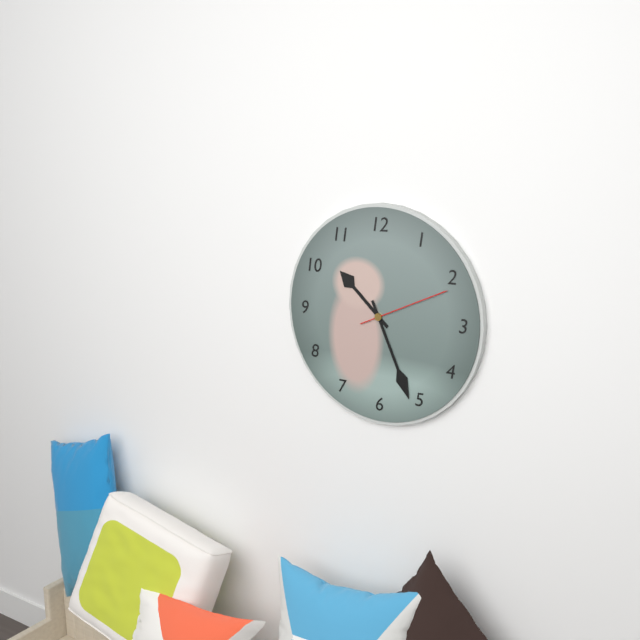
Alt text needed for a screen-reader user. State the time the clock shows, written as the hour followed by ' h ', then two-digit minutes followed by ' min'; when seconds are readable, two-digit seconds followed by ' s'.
10 h 26 min 11 s
